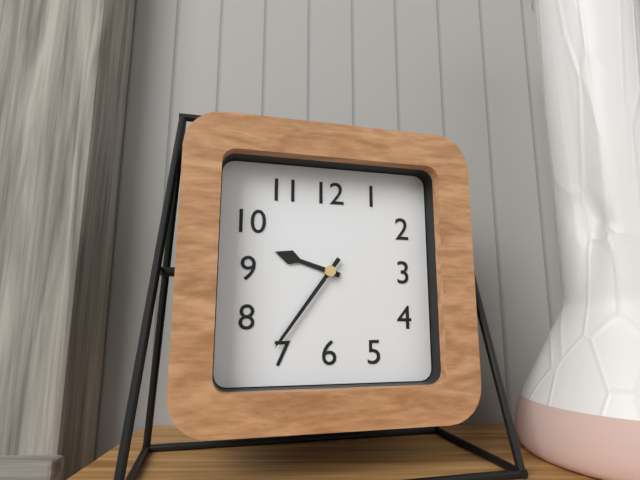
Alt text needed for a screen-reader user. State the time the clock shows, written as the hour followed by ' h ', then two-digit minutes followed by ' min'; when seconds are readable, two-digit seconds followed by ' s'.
9 h 36 min
